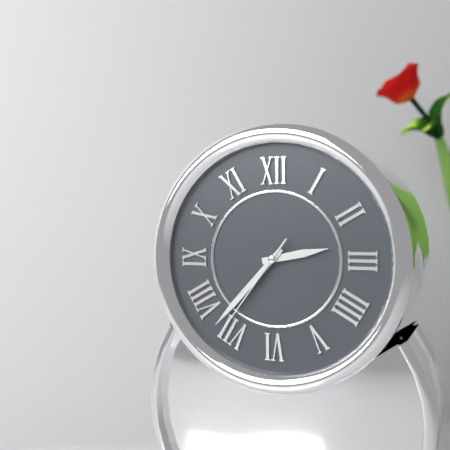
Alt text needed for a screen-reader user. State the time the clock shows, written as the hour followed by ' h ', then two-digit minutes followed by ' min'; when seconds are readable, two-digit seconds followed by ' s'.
2 h 37 min 36 s
